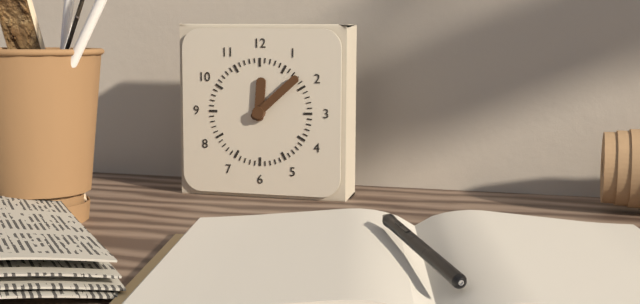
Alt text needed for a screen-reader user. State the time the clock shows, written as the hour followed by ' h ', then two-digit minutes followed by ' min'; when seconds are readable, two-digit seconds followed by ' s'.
12 h 08 min
